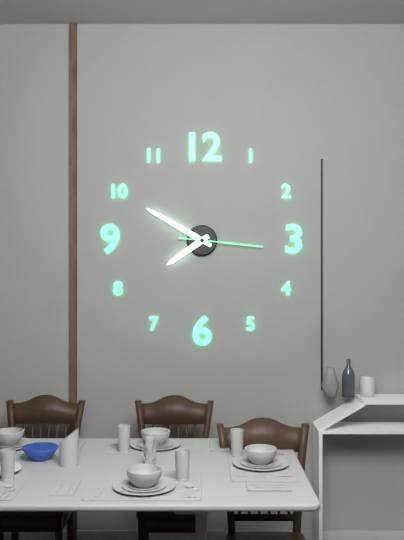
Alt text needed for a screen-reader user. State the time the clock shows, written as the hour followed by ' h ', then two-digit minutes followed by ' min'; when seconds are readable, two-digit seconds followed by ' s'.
7 h 50 min 16 s
